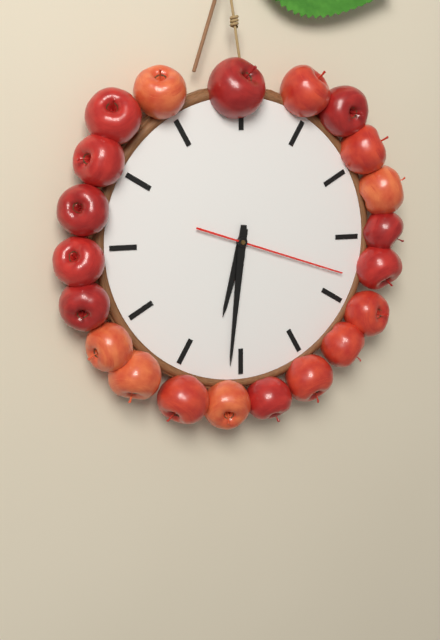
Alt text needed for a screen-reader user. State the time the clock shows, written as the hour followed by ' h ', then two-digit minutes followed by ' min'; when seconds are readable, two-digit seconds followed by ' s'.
6 h 31 min 18 s
